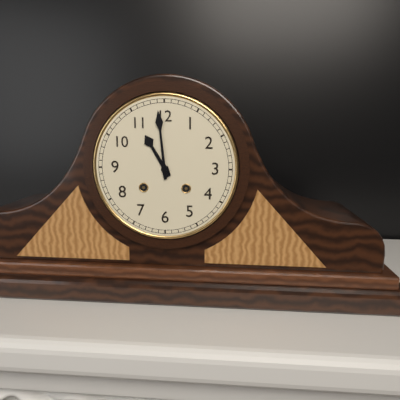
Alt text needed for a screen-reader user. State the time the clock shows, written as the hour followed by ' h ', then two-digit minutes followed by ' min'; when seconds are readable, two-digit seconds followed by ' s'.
10 h 59 min
